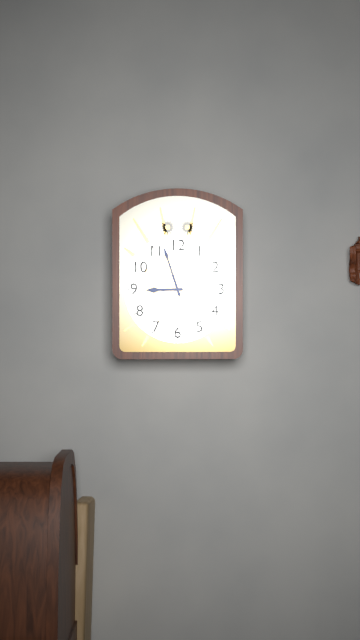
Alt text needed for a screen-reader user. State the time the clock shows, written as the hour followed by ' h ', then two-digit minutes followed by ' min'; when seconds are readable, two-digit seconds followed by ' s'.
8 h 57 min
